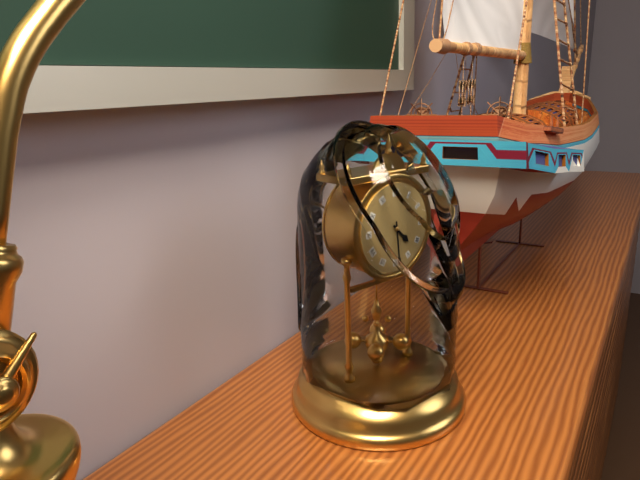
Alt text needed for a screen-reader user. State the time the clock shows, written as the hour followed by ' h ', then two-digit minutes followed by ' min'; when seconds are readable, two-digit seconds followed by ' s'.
4 h 29 min
